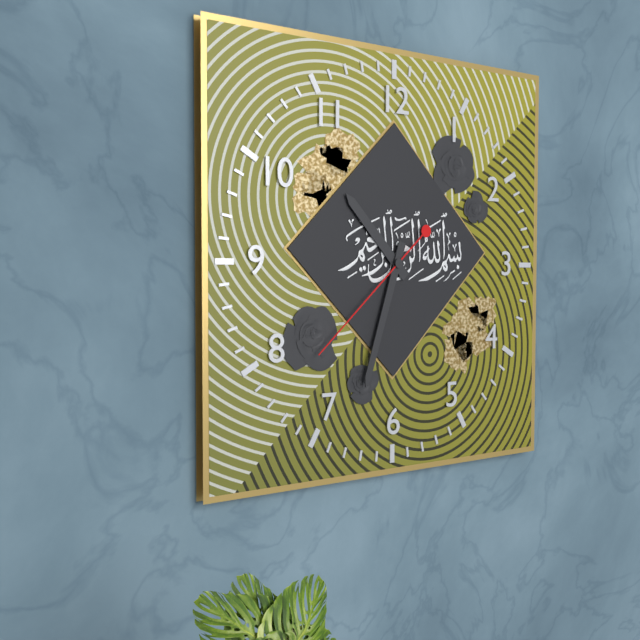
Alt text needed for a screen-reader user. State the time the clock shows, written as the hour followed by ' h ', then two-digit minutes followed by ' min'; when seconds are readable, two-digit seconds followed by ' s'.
10 h 33 min 38 s
